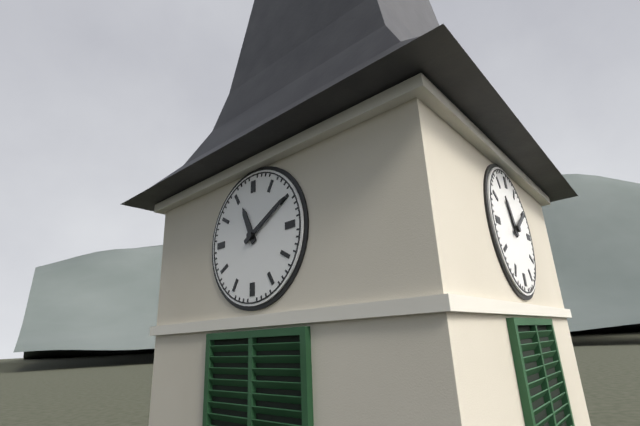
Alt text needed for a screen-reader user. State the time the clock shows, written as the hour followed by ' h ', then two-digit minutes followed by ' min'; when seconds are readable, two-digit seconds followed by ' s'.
11 h 10 min
